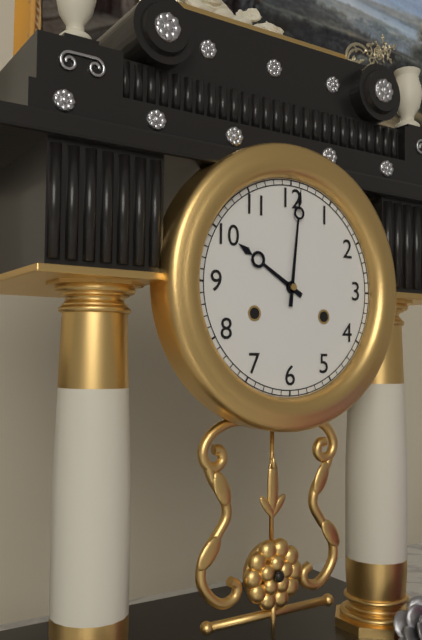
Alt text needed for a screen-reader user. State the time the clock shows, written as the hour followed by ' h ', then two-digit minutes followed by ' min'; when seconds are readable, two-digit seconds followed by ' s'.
10 h 01 min
